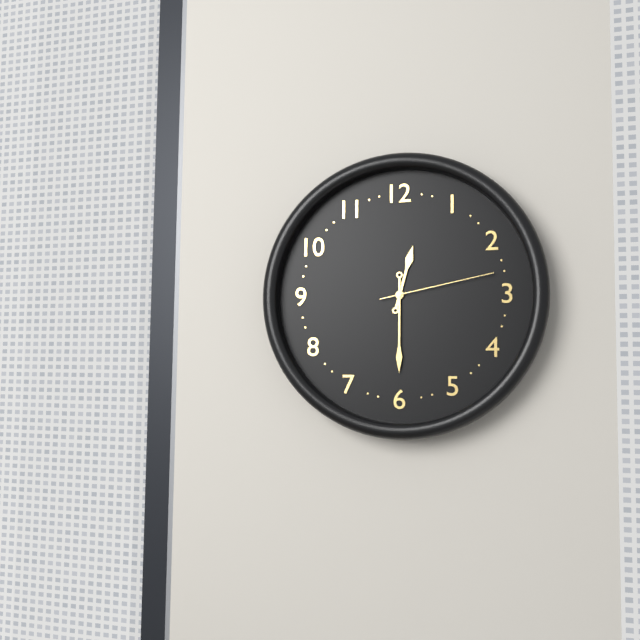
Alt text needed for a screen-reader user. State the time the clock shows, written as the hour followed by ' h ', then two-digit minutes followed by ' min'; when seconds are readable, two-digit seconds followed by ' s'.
12 h 30 min 13 s
